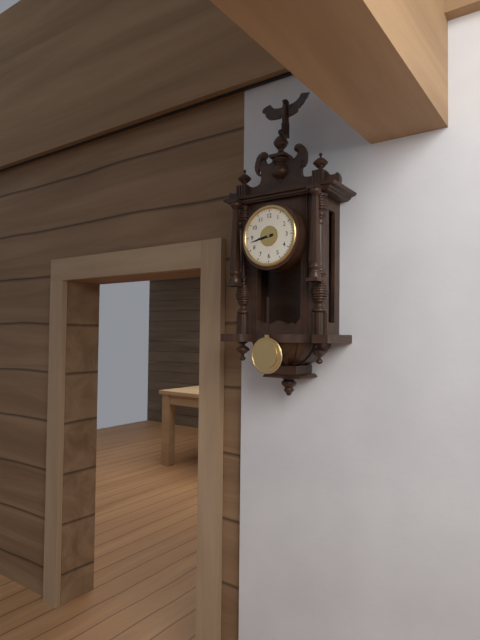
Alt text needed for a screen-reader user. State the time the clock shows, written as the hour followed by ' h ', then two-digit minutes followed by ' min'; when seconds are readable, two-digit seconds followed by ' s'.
8 h 43 min
